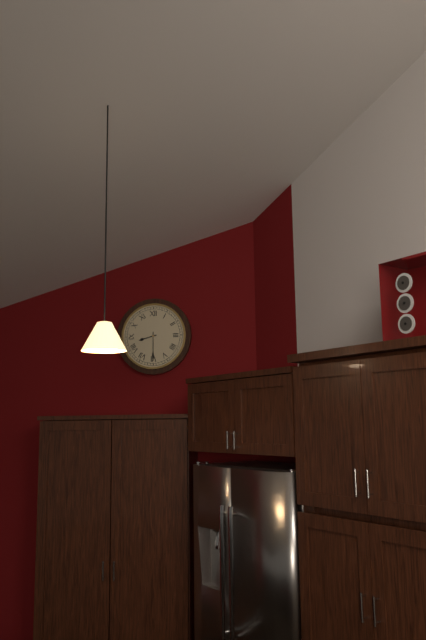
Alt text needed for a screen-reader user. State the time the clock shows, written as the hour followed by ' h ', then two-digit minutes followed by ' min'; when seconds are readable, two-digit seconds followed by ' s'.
8 h 30 min
